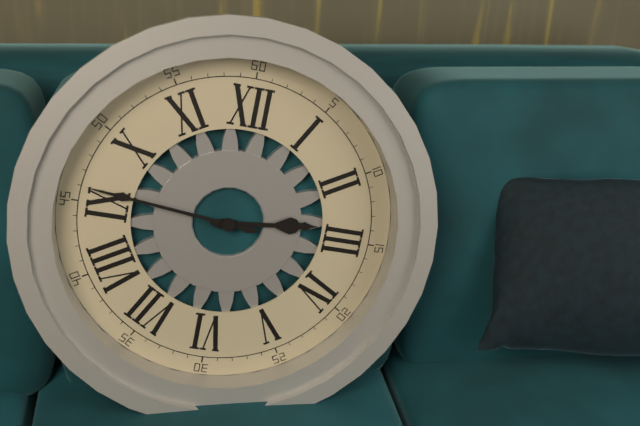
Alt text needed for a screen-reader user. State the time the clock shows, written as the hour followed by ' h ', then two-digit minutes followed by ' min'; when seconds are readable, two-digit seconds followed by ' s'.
2 h 46 min
